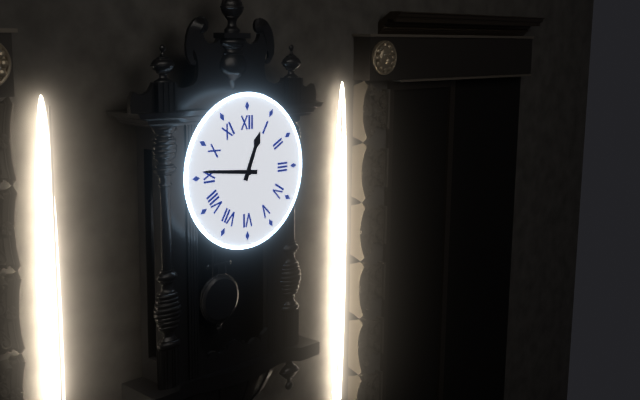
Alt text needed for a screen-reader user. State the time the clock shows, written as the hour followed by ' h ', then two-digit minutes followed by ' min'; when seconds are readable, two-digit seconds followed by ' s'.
12 h 46 min
